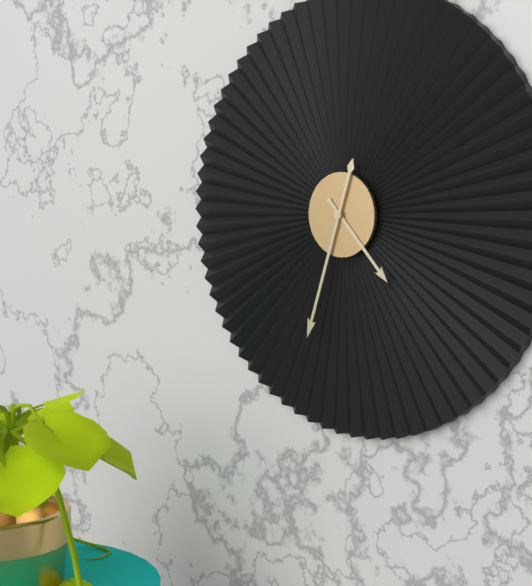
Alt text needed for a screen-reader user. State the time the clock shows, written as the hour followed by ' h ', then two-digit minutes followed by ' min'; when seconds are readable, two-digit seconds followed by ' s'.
4 h 33 min
